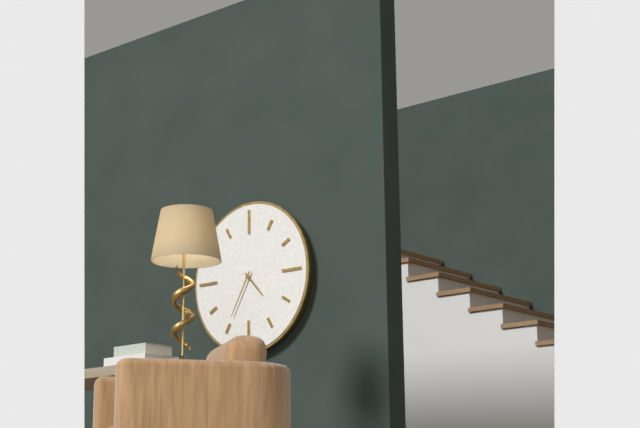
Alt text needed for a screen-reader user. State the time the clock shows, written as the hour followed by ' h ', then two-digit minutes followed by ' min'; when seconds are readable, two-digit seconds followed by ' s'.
4 h 35 min
